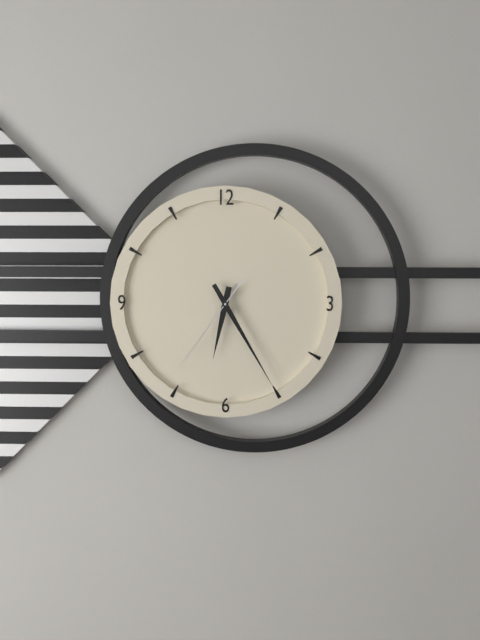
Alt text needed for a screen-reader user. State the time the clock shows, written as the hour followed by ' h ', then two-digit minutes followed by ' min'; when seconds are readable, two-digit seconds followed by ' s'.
6 h 25 min 36 s
